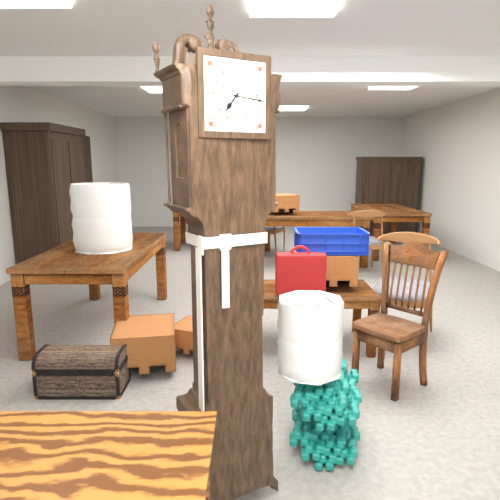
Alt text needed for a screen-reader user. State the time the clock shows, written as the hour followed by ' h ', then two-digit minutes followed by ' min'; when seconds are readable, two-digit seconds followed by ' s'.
7 h 16 min
